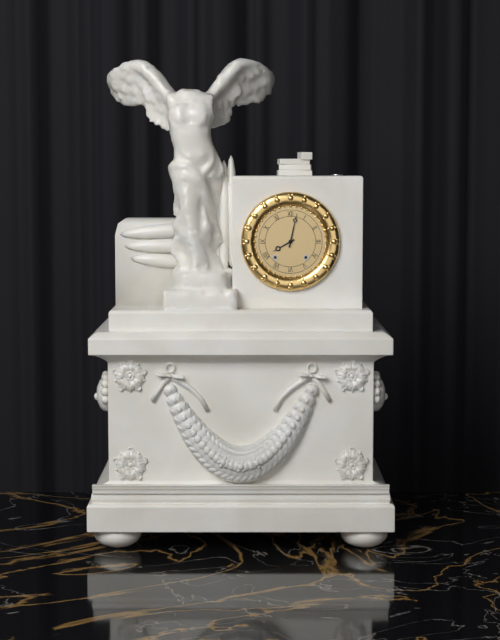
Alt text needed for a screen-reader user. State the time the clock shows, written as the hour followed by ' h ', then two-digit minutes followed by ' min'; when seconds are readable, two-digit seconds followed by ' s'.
8 h 02 min
